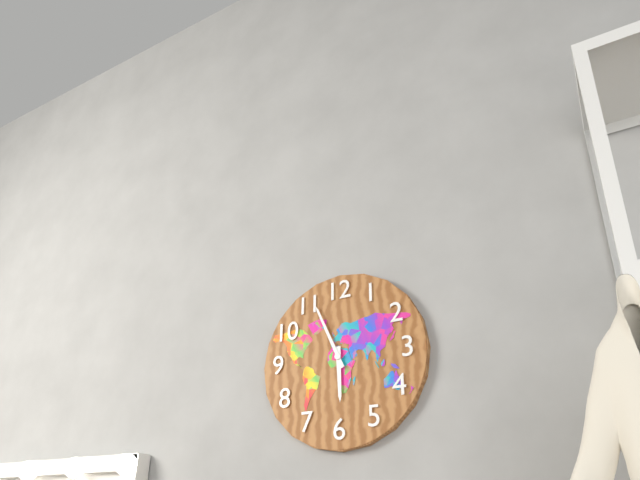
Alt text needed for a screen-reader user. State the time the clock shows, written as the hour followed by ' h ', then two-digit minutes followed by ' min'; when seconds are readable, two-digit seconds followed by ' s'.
5 h 56 min
